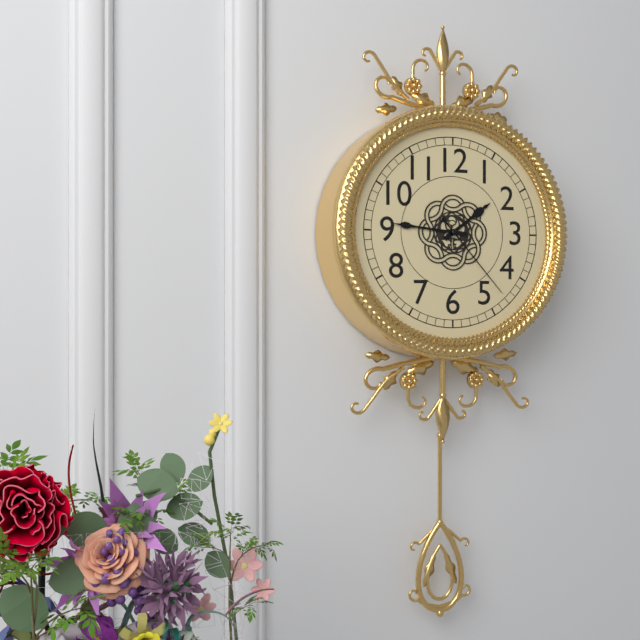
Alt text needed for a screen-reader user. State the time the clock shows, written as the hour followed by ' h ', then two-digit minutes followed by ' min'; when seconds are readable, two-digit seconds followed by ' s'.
1 h 46 min 23 s
